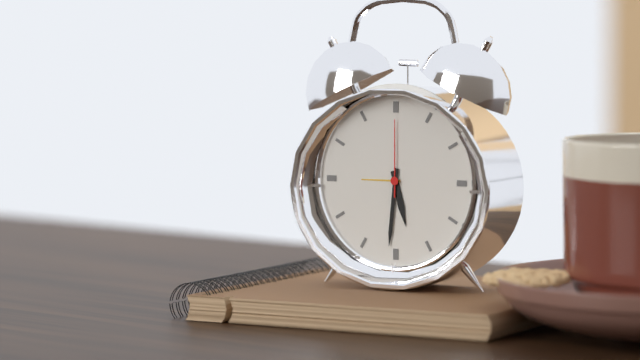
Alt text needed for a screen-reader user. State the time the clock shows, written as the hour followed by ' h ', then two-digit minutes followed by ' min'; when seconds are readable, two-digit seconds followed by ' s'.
5 h 31 min 00 s
